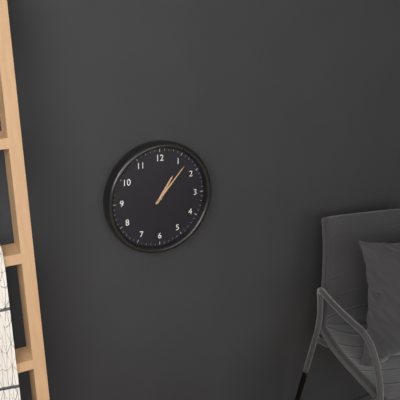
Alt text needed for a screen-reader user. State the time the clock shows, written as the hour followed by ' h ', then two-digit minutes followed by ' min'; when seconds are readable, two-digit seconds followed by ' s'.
1 h 07 min
